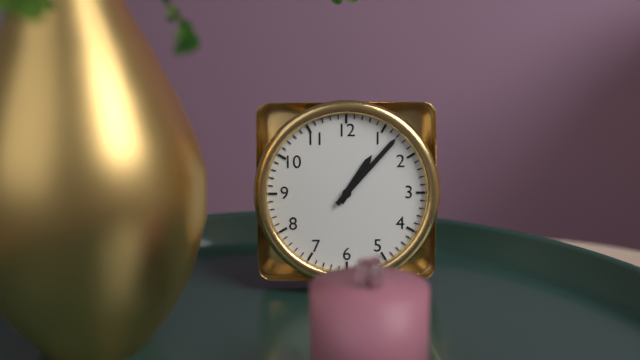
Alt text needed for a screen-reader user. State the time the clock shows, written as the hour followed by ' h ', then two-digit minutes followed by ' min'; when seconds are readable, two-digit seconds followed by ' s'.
1 h 07 min
